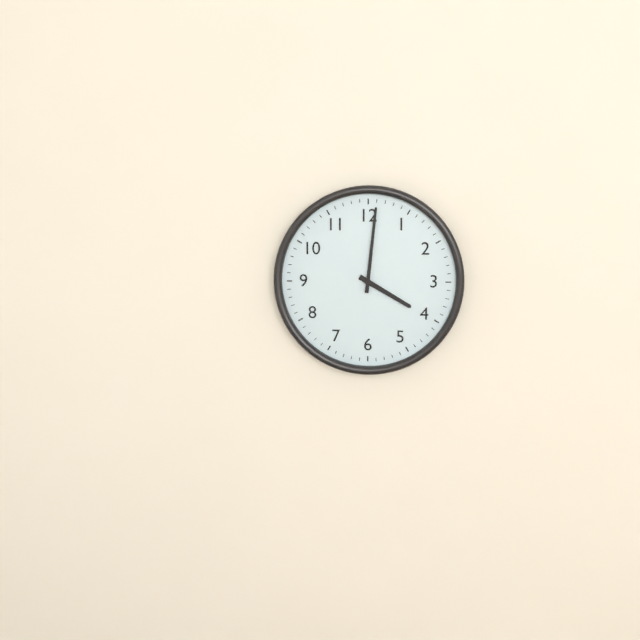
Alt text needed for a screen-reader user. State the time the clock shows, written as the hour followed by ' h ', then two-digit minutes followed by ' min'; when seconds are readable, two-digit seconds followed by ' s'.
4 h 01 min
